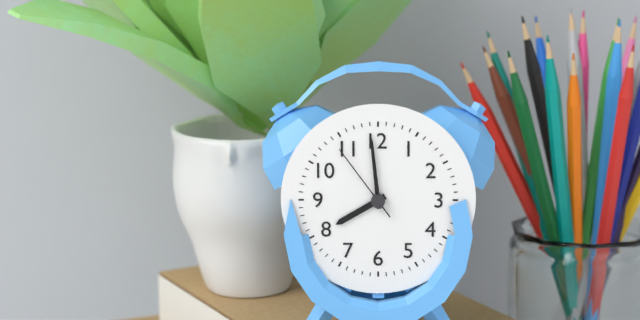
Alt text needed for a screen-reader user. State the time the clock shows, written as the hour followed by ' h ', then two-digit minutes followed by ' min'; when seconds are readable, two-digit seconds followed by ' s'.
7 h 59 min 54 s
